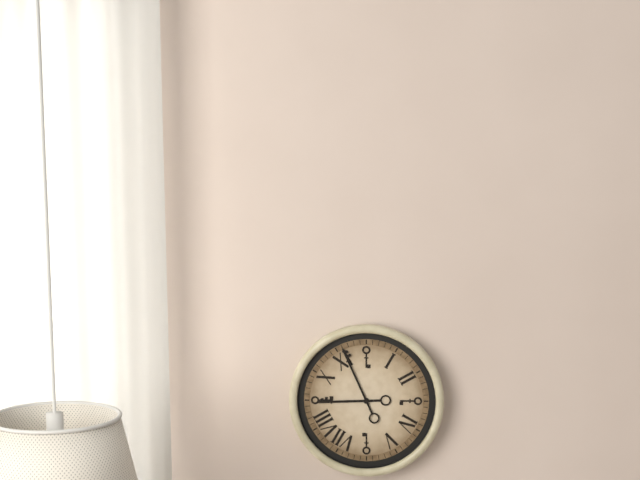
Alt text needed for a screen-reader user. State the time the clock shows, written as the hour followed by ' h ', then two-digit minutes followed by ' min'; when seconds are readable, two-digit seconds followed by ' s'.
8 h 56 min
